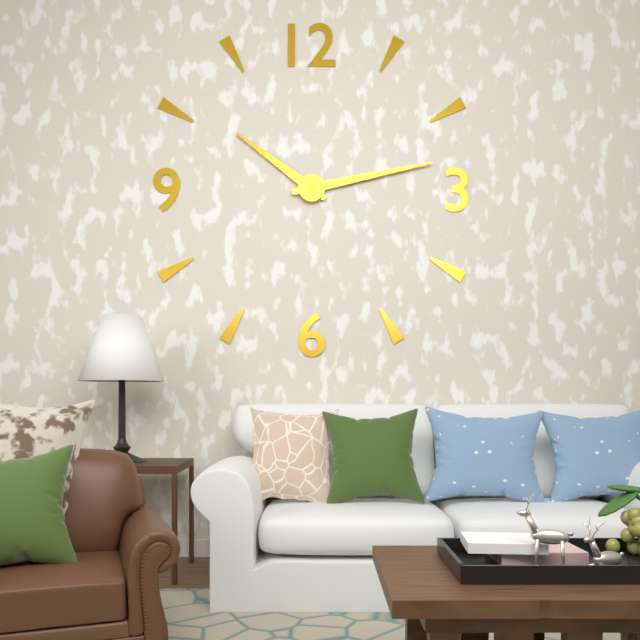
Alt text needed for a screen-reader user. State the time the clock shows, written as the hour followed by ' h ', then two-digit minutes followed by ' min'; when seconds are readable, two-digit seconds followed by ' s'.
10 h 13 min
